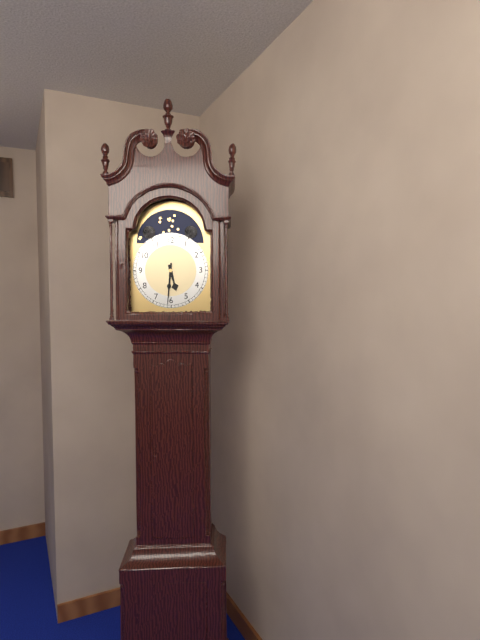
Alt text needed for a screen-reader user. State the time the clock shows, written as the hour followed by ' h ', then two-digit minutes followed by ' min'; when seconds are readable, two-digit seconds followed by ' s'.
5 h 31 min
